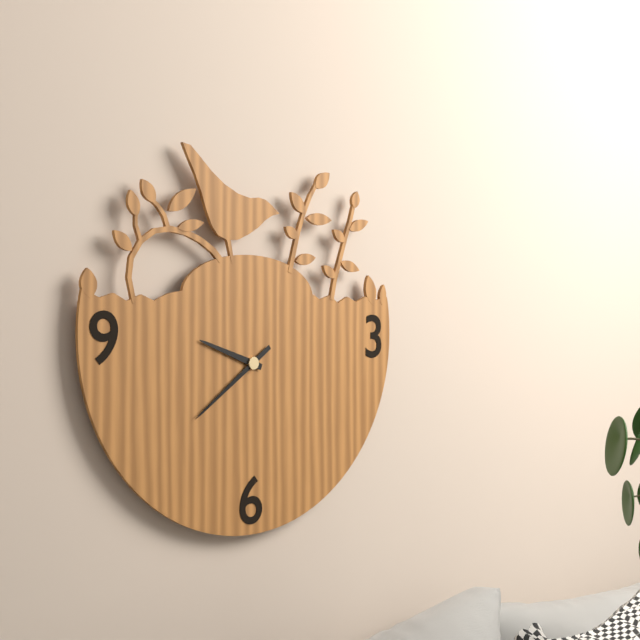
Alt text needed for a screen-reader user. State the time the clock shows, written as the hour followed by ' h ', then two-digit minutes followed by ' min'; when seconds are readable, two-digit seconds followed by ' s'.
9 h 39 min
